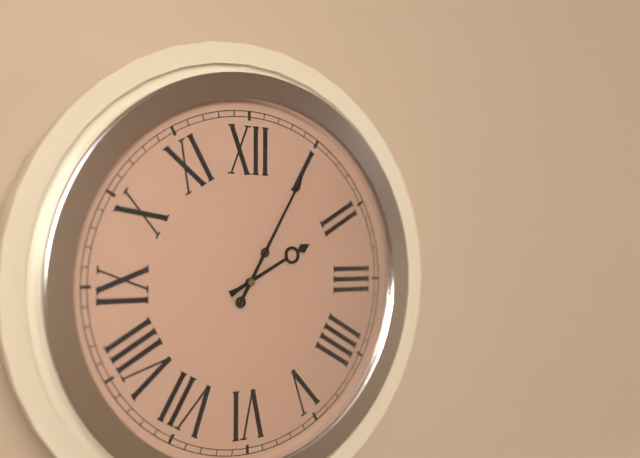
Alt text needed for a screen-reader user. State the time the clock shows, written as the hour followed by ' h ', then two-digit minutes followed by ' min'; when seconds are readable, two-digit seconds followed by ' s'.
2 h 05 min
